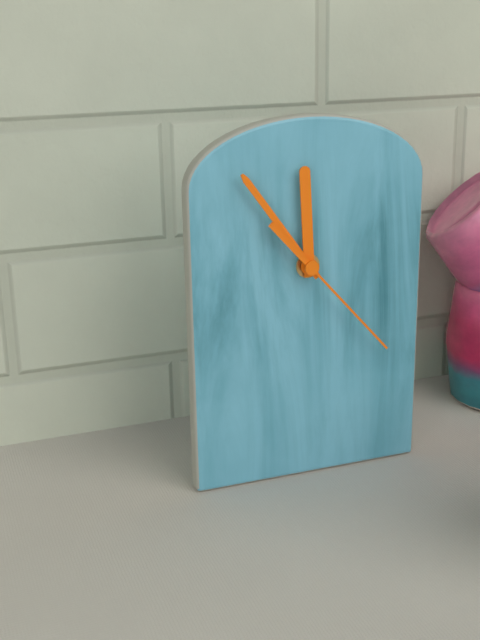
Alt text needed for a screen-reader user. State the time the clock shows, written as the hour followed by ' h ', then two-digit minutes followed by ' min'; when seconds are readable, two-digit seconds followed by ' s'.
11 h 54 min 23 s
